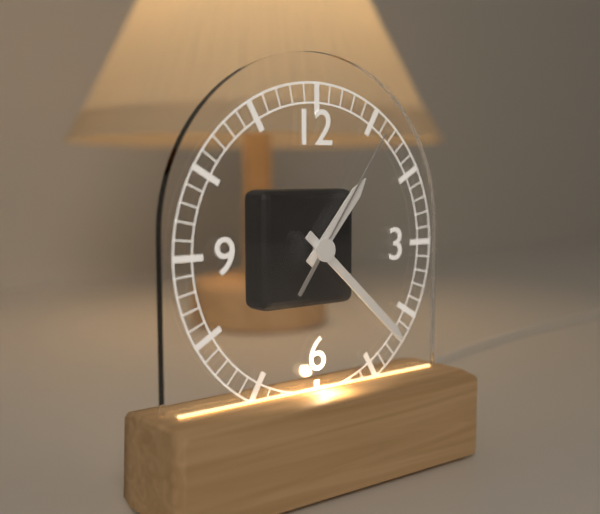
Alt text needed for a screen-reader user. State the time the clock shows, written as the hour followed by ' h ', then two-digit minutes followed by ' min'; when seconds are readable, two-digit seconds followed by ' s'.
1 h 22 min 06 s
